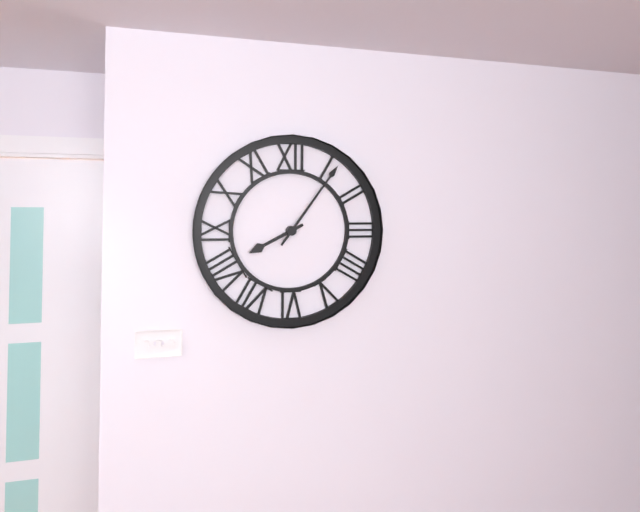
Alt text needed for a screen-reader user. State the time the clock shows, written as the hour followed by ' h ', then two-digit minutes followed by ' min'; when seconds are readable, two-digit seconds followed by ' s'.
8 h 06 min
